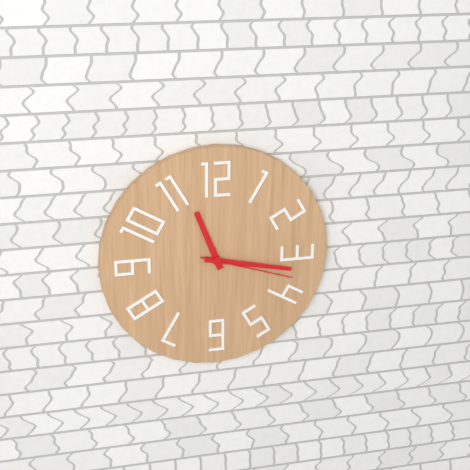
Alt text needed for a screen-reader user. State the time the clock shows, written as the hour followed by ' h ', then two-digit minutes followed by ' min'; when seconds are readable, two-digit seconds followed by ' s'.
11 h 17 min 18 s
